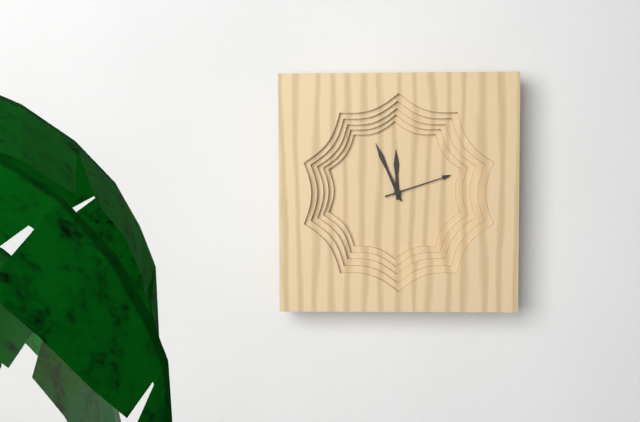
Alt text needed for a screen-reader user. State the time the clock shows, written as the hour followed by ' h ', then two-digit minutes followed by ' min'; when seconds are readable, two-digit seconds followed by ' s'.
11 h 56 min 12 s
